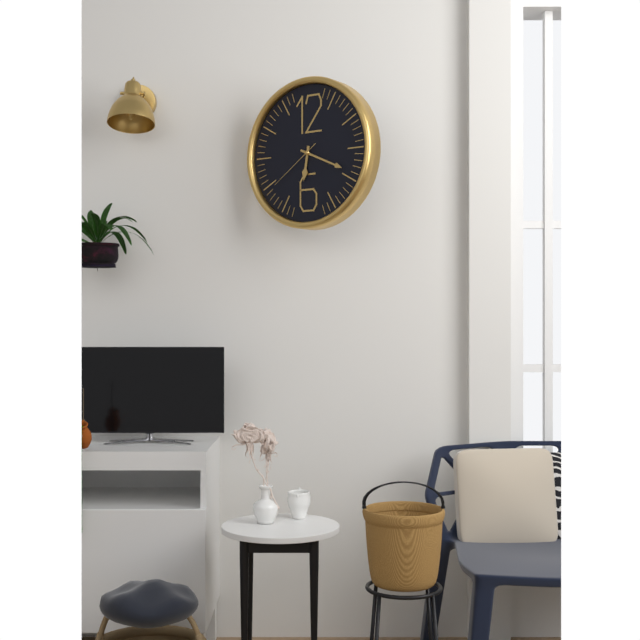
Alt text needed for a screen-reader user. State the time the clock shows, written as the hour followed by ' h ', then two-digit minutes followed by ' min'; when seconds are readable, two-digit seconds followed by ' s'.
6 h 19 min 39 s
